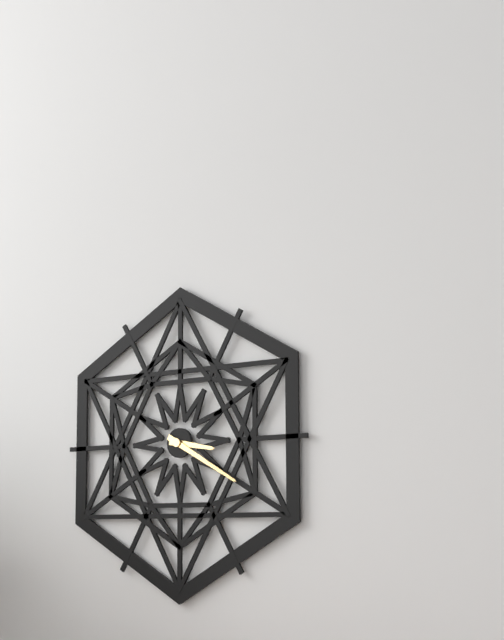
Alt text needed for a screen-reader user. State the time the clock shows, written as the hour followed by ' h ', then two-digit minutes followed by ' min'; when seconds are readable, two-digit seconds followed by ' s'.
3 h 20 min
